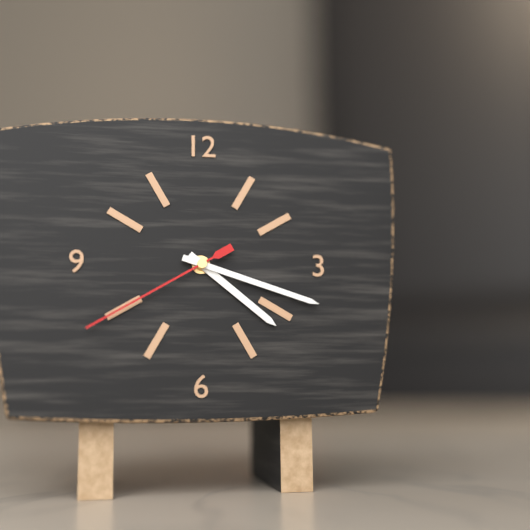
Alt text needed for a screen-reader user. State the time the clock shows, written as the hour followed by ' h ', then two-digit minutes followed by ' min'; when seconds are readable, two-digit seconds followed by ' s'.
4 h 18 min 40 s
